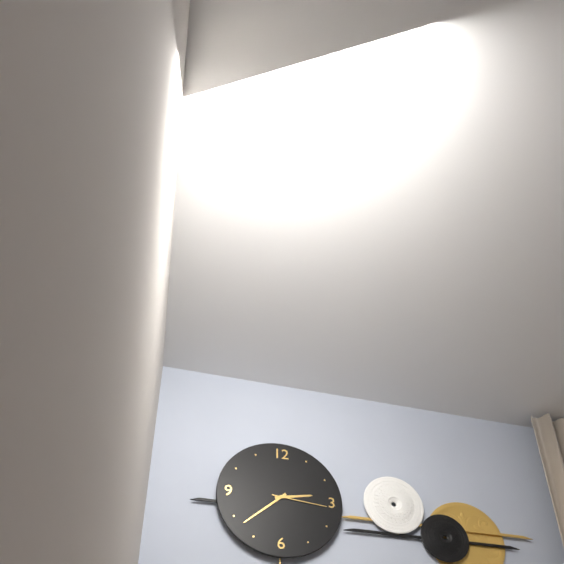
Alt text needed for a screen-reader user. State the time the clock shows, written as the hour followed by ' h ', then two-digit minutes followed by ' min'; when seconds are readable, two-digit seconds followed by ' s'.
2 h 38 min 16 s
